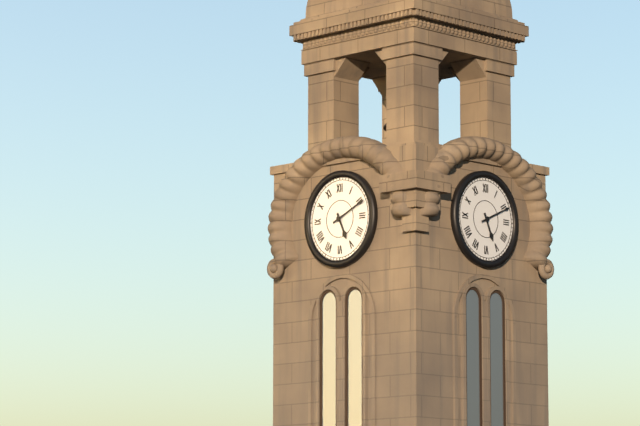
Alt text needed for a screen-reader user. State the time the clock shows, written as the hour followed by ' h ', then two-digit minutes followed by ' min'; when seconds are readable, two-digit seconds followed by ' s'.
5 h 11 min
